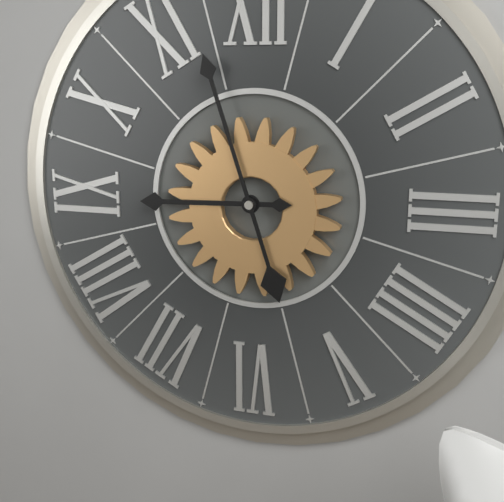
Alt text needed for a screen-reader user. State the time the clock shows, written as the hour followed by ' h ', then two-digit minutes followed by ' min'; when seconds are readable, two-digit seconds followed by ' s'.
8 h 57 min
